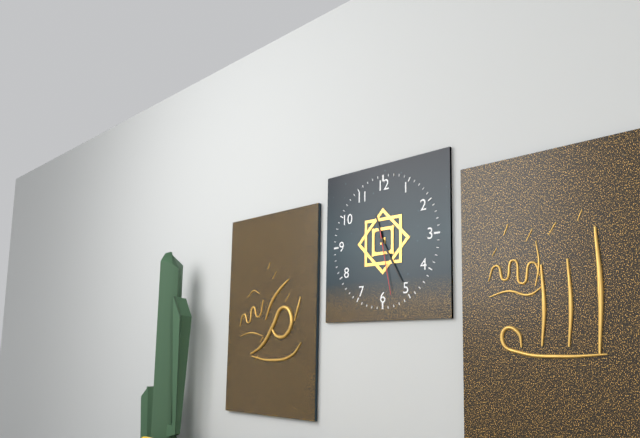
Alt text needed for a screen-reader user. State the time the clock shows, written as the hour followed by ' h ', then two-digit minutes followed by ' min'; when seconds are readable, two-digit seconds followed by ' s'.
11 h 25 min 28 s
